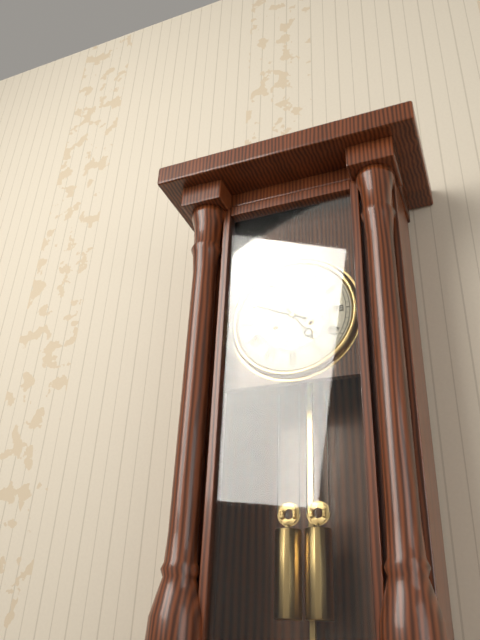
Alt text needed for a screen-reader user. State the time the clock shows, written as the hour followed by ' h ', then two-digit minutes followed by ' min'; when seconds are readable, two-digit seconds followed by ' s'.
4 h 49 min
